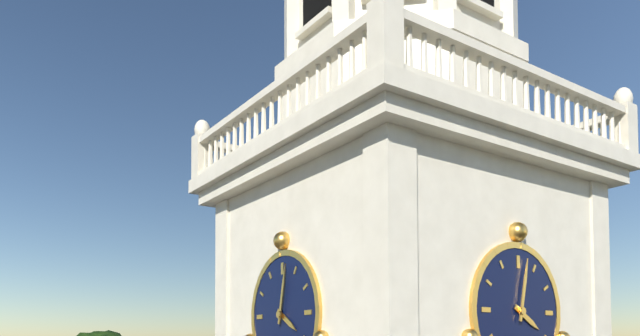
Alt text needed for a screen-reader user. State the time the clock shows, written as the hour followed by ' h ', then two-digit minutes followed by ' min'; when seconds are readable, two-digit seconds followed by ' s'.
4 h 02 min
